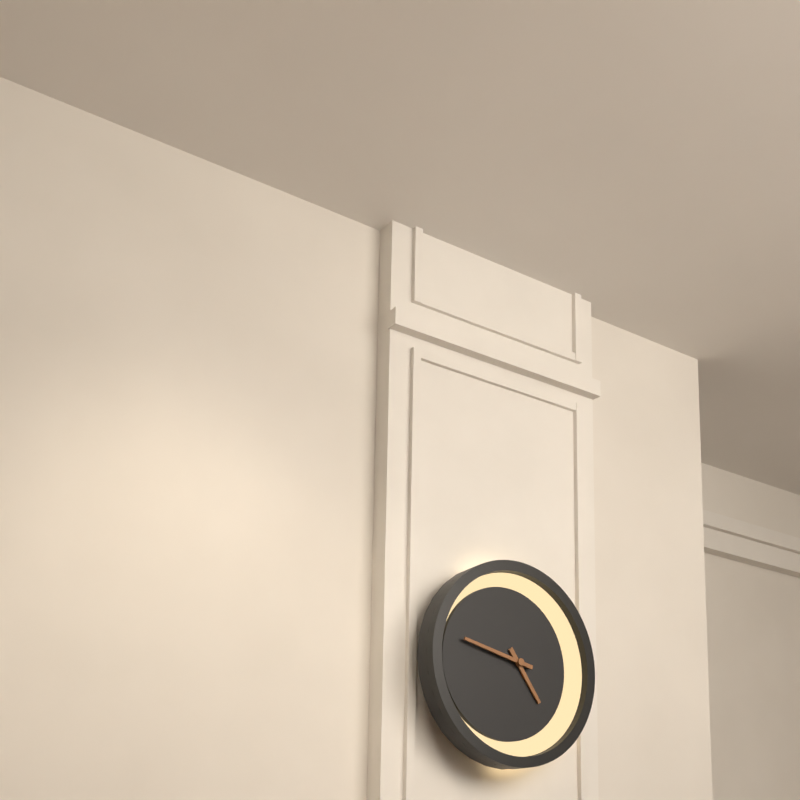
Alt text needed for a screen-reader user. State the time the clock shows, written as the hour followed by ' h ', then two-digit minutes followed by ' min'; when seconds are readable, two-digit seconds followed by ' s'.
4 h 47 min
